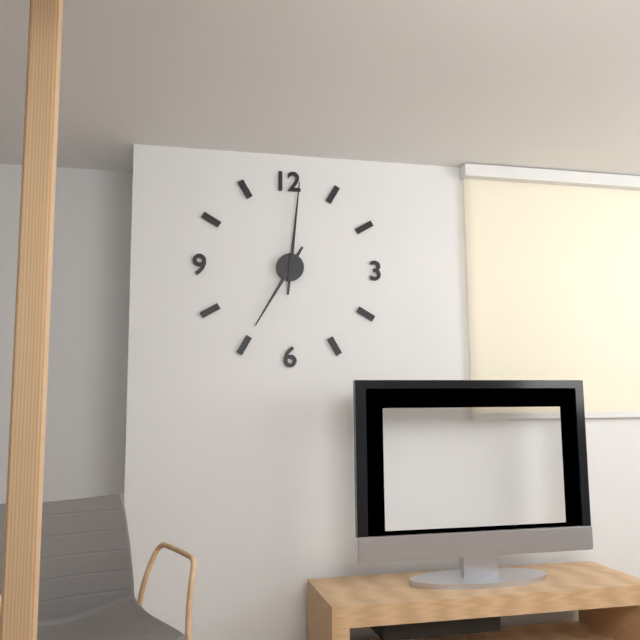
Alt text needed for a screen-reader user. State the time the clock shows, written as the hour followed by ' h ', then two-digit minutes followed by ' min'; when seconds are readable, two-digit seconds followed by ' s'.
7 h 01 min
